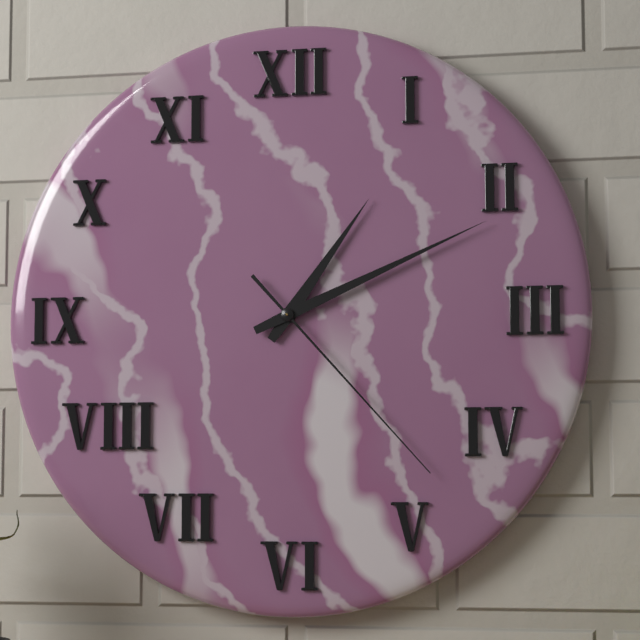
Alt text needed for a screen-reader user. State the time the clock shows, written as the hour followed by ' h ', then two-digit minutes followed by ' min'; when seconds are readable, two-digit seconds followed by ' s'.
1 h 11 min 23 s
